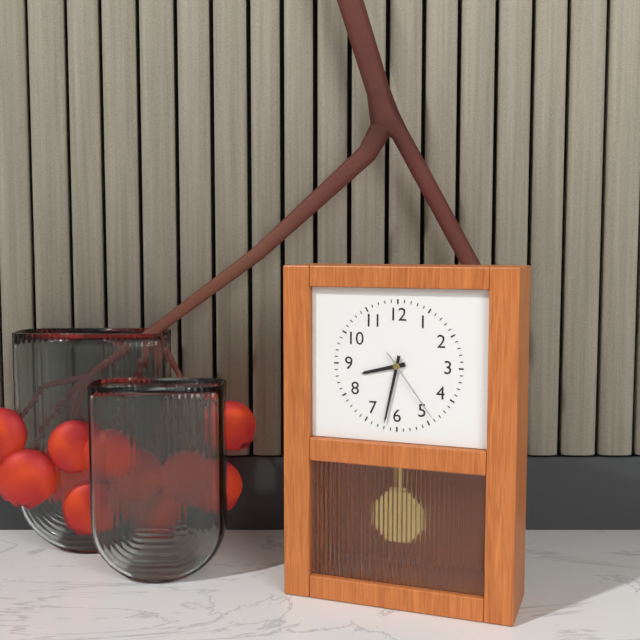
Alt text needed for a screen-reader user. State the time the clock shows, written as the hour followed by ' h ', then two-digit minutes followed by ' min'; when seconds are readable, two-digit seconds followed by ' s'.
8 h 32 min 24 s
